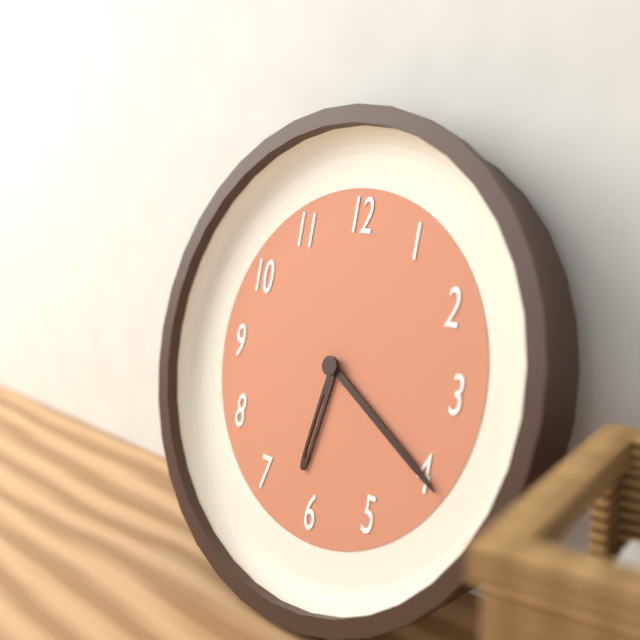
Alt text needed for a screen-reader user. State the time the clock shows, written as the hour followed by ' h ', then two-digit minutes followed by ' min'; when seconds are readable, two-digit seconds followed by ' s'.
6 h 20 min
